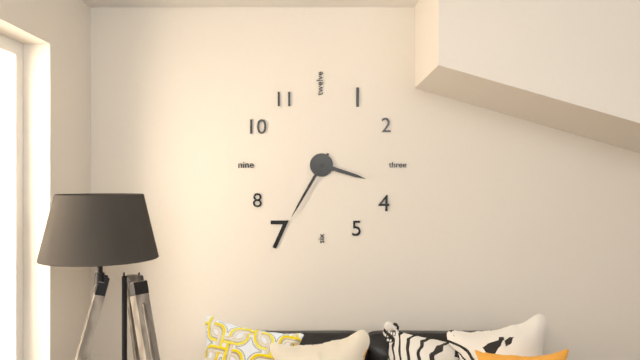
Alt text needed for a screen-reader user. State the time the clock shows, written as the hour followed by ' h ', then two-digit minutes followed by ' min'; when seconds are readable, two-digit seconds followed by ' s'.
3 h 35 min
